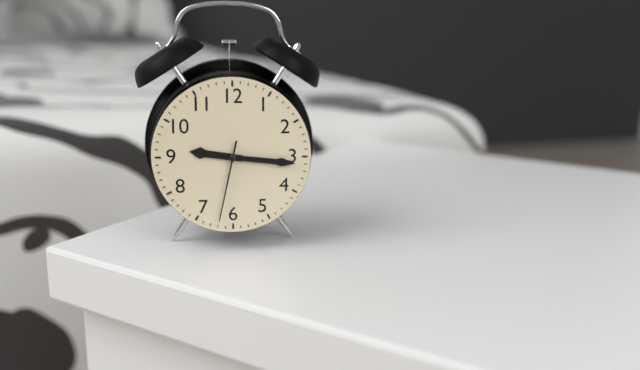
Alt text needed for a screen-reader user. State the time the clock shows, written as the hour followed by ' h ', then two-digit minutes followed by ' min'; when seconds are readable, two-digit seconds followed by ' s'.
9 h 16 min 32 s
